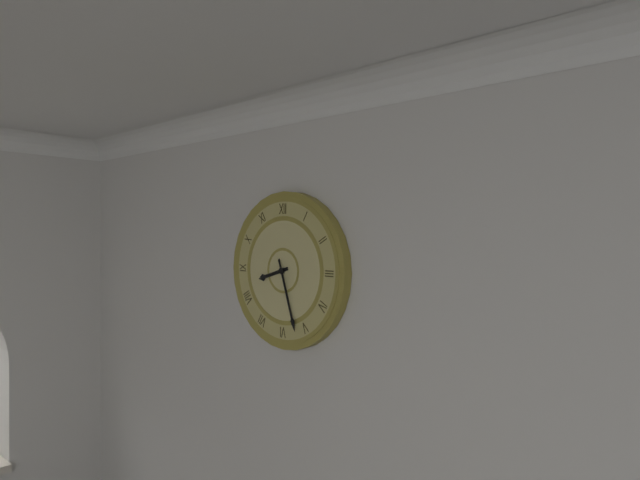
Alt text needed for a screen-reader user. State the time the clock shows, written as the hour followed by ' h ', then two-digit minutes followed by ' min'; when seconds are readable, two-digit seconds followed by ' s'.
8 h 27 min
